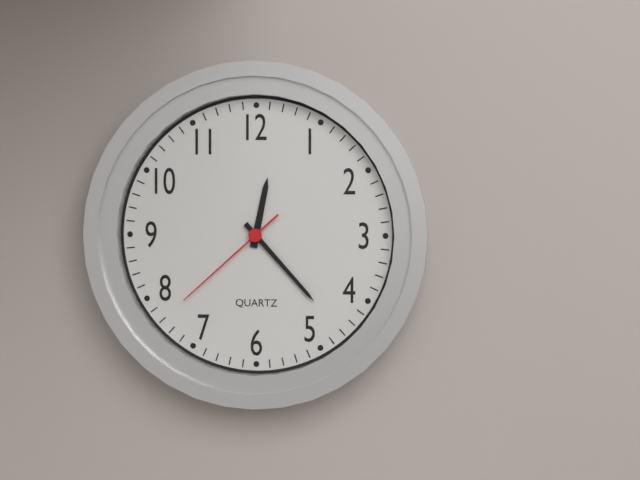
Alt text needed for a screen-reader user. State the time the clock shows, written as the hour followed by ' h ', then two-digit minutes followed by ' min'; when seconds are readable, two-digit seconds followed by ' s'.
12 h 23 min 38 s
